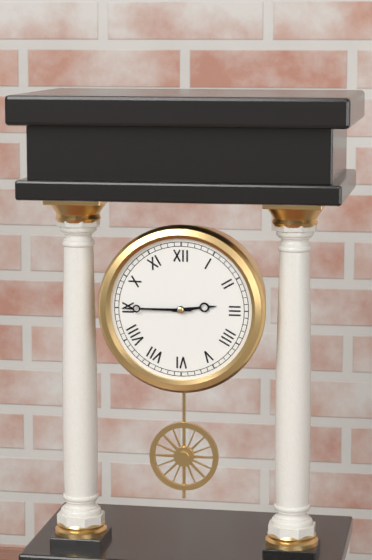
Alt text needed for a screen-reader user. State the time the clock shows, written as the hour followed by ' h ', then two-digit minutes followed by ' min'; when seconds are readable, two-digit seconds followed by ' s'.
2 h 45 min
